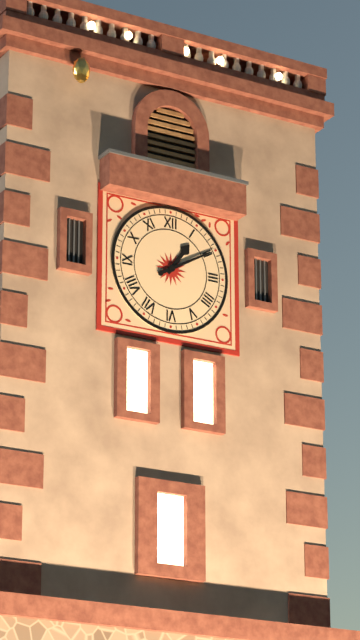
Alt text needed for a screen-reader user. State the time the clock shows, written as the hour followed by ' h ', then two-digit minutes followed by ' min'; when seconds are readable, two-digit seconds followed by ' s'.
1 h 10 min
